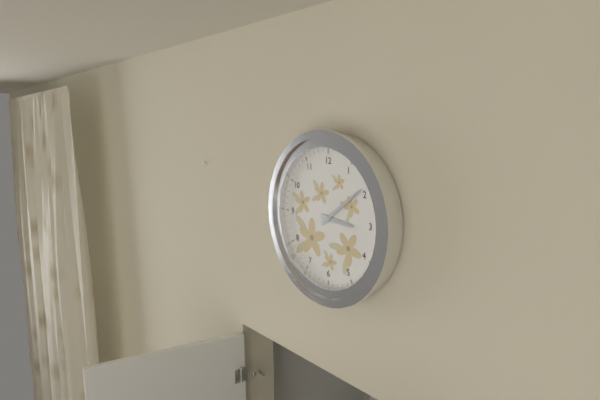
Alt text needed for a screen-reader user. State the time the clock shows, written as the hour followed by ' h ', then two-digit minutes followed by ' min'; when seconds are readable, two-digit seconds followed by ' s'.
3 h 09 min
